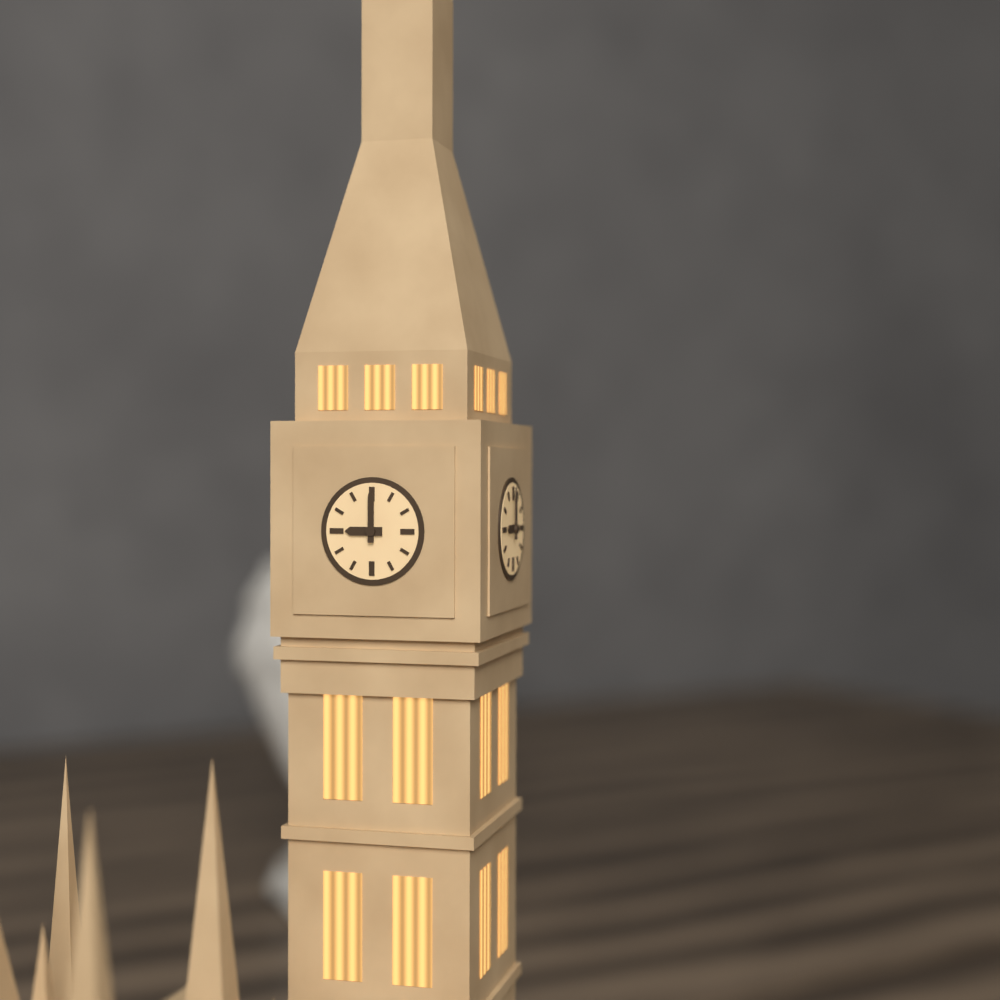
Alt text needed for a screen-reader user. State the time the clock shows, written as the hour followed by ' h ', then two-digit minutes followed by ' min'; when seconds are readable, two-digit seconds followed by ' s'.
9 h 00 min
